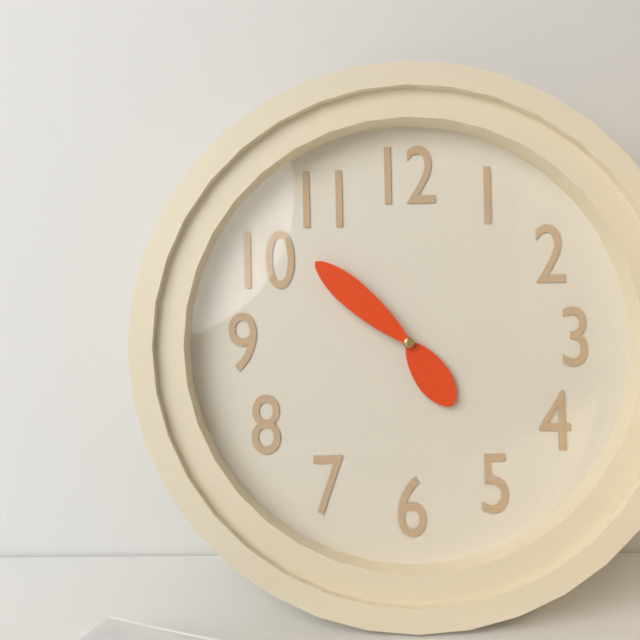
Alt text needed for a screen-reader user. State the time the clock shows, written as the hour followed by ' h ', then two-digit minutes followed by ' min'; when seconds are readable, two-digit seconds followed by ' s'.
4 h 52 min
